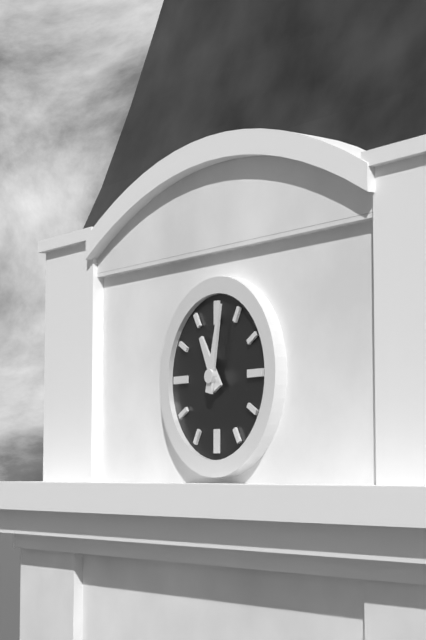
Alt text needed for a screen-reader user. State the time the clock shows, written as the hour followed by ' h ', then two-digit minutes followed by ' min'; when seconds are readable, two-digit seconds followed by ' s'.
11 h 02 min
